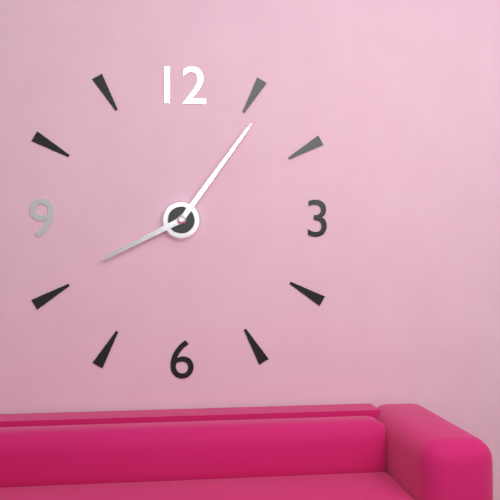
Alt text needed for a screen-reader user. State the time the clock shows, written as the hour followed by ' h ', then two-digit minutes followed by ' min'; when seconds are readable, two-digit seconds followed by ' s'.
8 h 06 min
